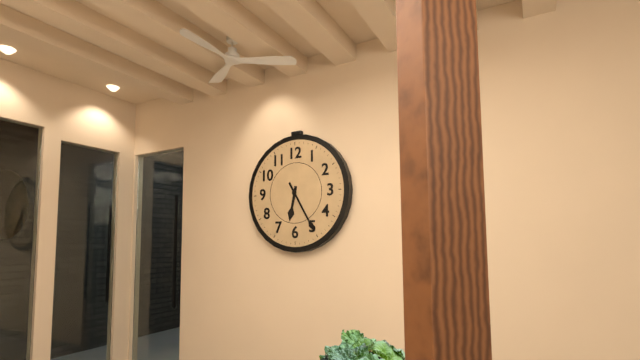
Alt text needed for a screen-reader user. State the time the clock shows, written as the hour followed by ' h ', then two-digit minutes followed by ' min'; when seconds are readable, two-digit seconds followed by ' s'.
6 h 25 min
